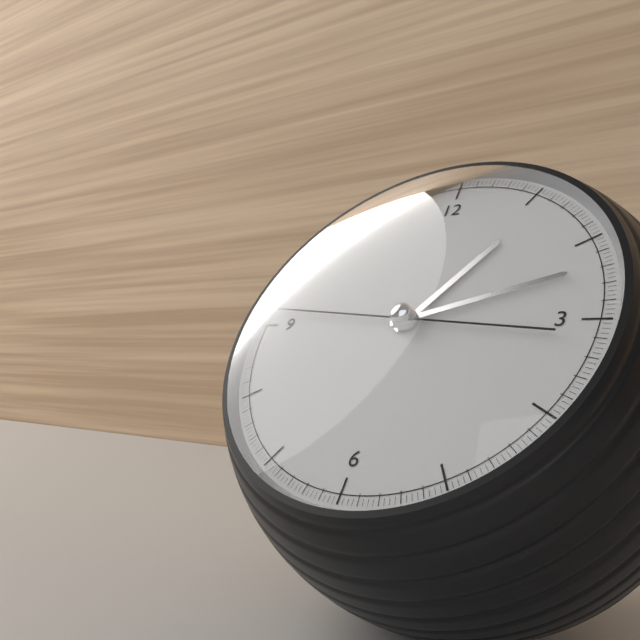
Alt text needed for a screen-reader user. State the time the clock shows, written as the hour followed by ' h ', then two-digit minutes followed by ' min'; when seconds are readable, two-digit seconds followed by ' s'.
1 h 12 min 46 s
